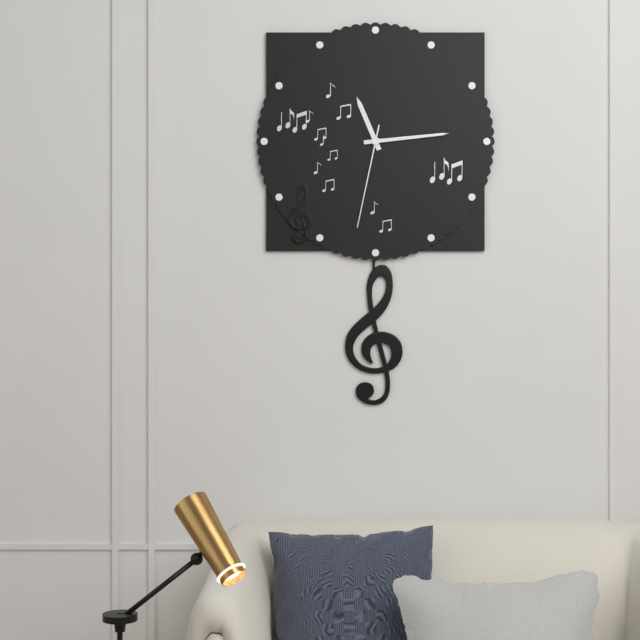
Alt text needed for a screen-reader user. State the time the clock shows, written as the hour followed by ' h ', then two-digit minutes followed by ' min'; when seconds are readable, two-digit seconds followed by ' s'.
11 h 14 min 32 s
